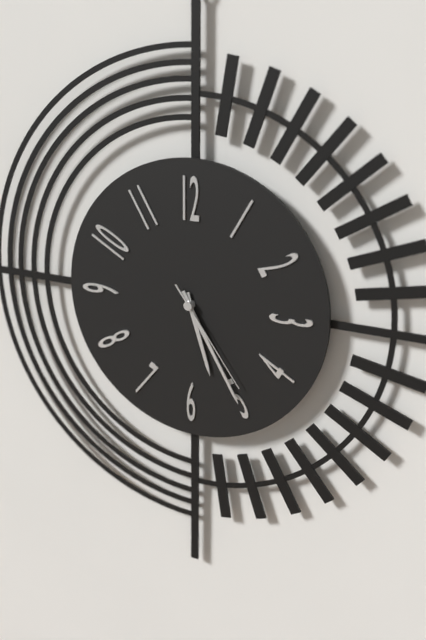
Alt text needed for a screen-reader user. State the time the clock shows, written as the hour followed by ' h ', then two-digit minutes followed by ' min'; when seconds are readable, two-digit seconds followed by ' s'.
5 h 25 min 24 s
